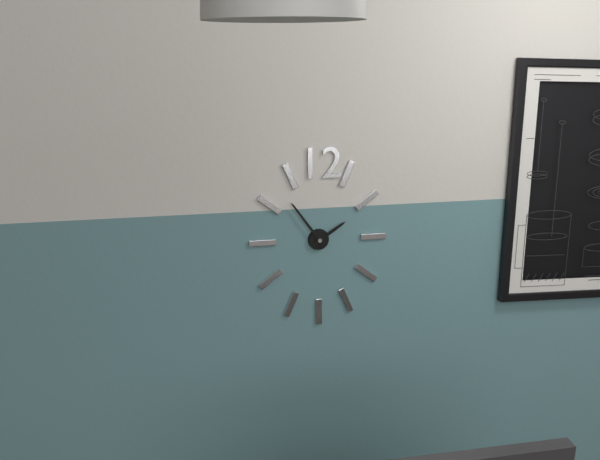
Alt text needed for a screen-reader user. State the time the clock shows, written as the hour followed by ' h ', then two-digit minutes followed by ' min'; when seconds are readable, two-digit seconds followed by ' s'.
1 h 54 min
